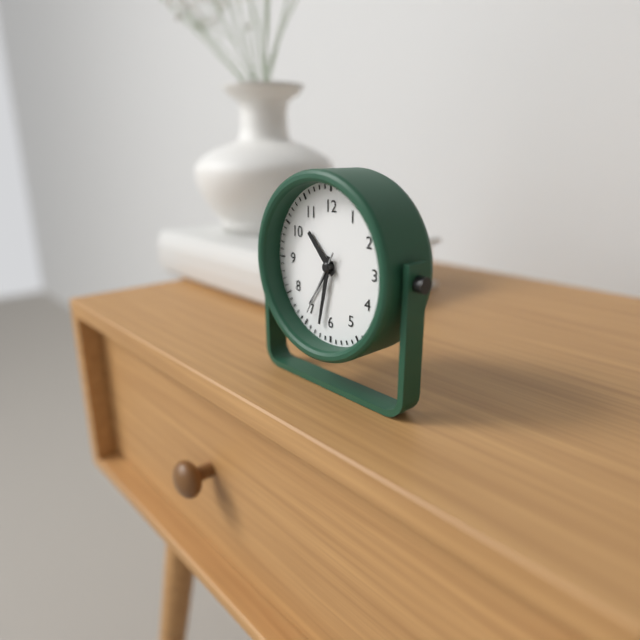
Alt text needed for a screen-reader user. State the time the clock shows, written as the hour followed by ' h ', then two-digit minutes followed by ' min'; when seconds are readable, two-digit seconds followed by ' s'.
10 h 32 min 35 s
